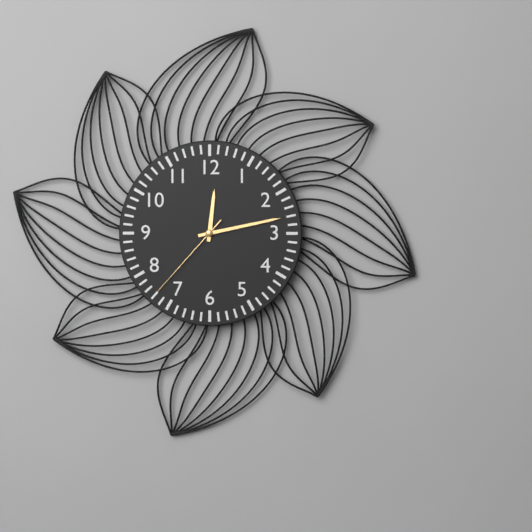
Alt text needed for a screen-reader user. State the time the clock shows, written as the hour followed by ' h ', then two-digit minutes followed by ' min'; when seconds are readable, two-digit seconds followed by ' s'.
12 h 13 min 37 s
